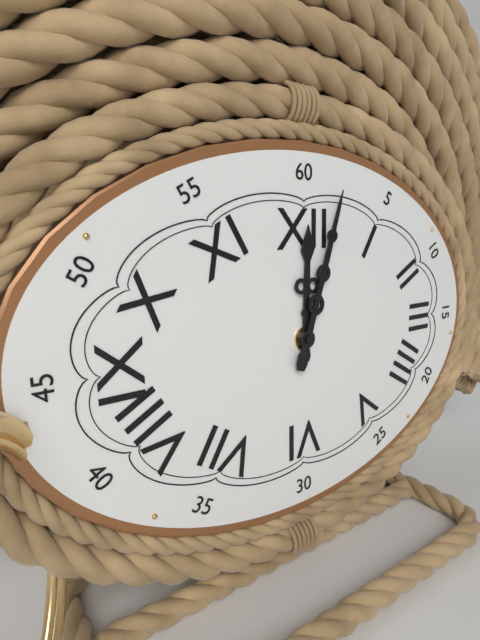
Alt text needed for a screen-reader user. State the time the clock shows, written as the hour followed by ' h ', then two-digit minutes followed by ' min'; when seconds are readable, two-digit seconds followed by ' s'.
12 h 03 min
